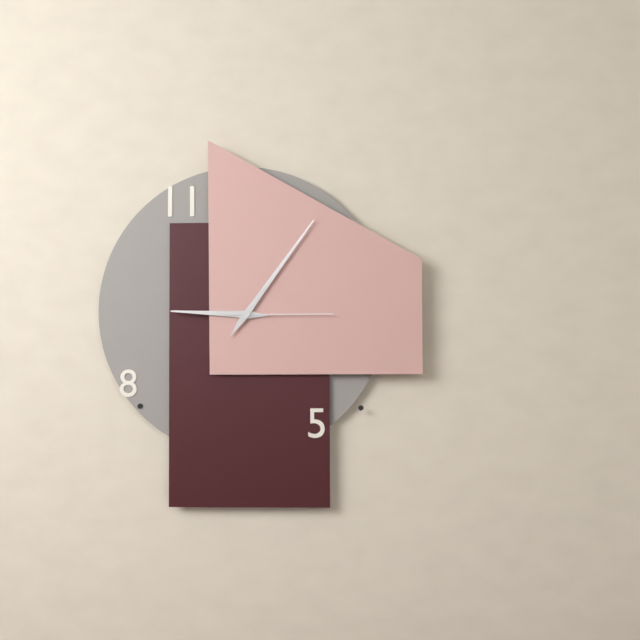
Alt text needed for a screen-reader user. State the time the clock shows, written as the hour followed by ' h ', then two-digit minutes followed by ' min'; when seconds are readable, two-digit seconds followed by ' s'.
9 h 06 min 15 s
